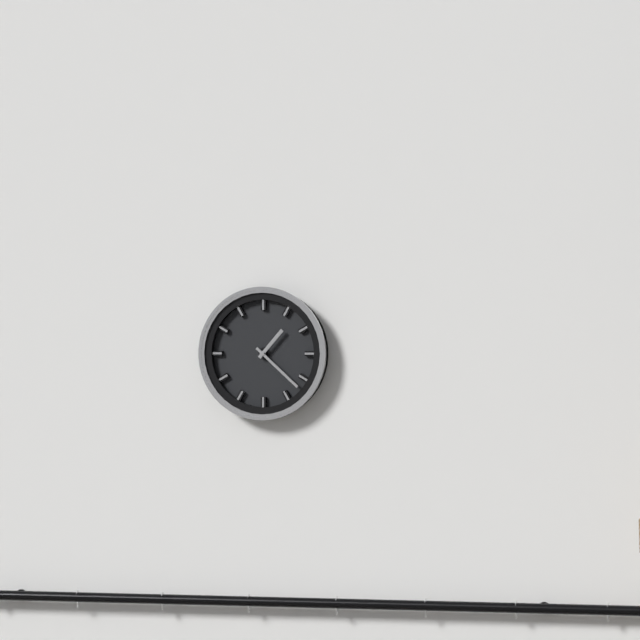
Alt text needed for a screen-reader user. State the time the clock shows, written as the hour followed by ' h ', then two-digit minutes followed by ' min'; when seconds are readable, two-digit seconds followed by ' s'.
1 h 22 min
